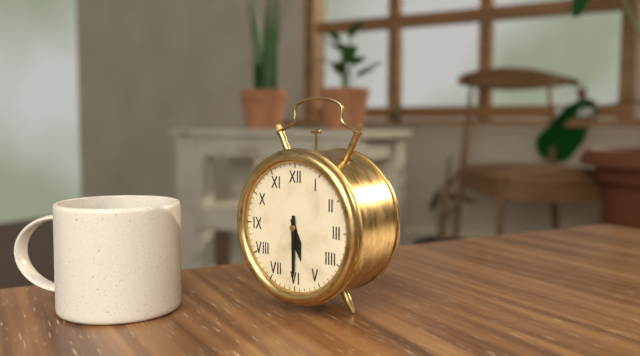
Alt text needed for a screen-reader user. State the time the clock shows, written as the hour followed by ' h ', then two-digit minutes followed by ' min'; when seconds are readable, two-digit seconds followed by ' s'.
5 h 30 min
